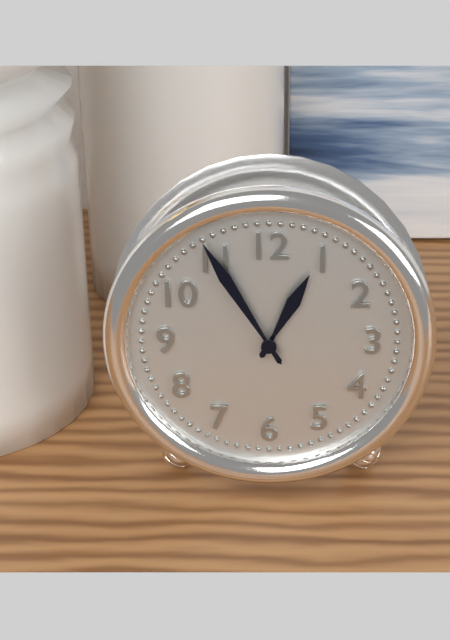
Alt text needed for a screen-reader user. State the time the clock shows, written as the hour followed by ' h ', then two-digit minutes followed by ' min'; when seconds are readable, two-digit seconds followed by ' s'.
12 h 55 min
